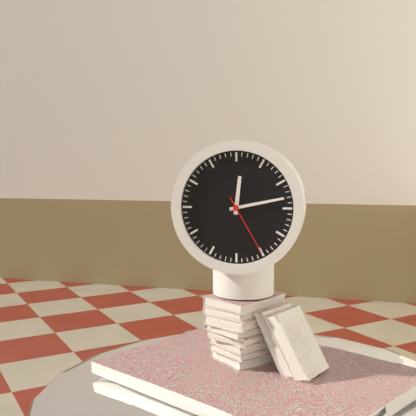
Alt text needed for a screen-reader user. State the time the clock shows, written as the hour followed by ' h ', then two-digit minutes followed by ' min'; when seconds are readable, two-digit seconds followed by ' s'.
12 h 13 min 25 s
